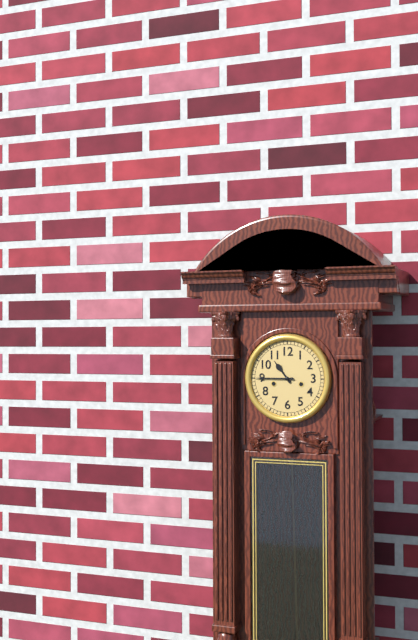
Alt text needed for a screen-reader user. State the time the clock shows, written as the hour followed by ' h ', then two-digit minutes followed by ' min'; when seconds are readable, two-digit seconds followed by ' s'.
10 h 45 min
